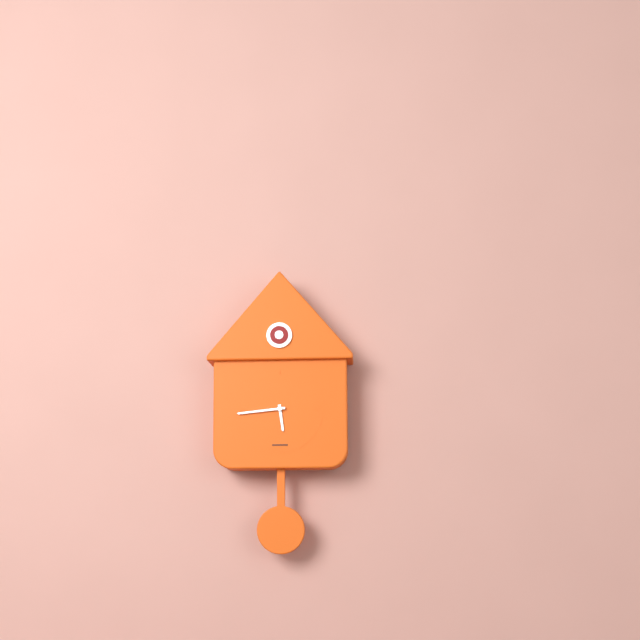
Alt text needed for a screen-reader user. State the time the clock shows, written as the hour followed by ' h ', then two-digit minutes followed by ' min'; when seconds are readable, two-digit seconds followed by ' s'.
5 h 44 min
